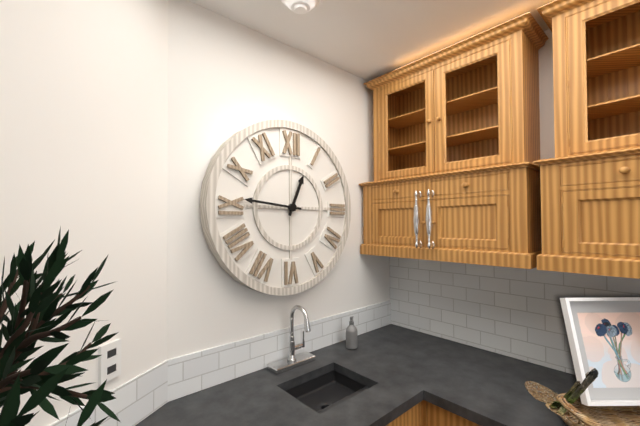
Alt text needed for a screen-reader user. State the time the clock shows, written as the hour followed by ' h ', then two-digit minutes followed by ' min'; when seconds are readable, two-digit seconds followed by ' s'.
12 h 46 min
